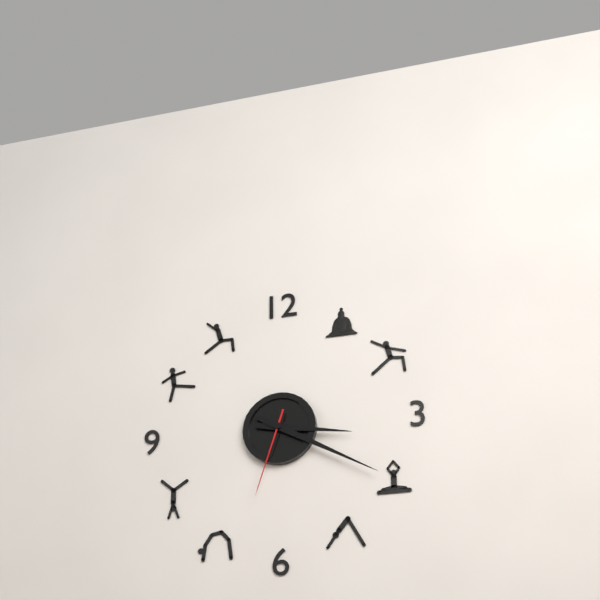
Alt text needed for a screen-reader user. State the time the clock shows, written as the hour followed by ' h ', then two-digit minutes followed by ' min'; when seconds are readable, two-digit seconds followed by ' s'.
3 h 20 min 33 s
